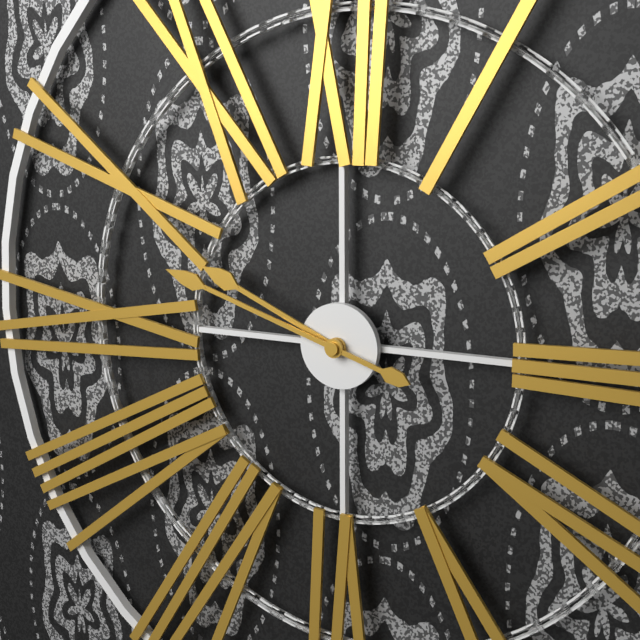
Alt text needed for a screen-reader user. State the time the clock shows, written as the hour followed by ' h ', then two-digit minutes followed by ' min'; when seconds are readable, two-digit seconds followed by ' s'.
9 h 48 min
